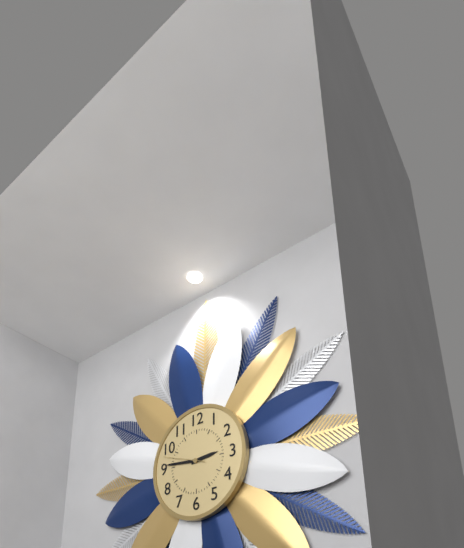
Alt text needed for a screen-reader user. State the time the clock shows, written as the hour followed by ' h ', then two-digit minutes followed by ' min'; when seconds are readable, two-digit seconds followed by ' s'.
2 h 46 min 48 s
